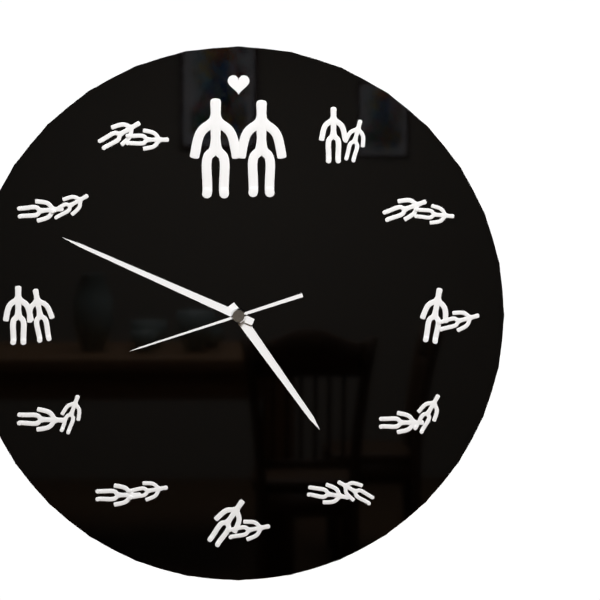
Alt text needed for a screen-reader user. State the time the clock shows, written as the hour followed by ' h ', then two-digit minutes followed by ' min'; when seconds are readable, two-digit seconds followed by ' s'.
4 h 49 min 42 s
